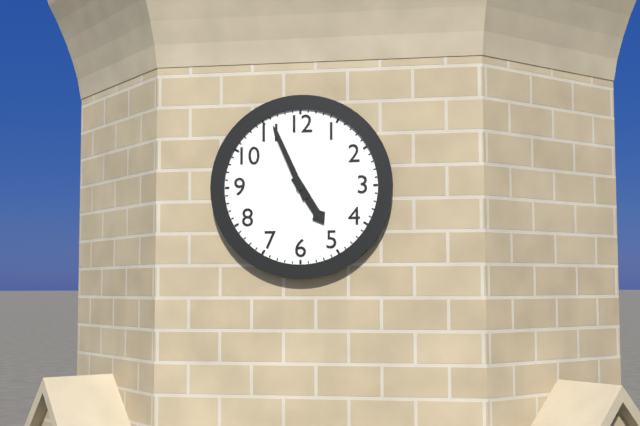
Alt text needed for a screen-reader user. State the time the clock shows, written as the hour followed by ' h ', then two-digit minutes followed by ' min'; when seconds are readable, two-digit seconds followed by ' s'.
4 h 56 min
